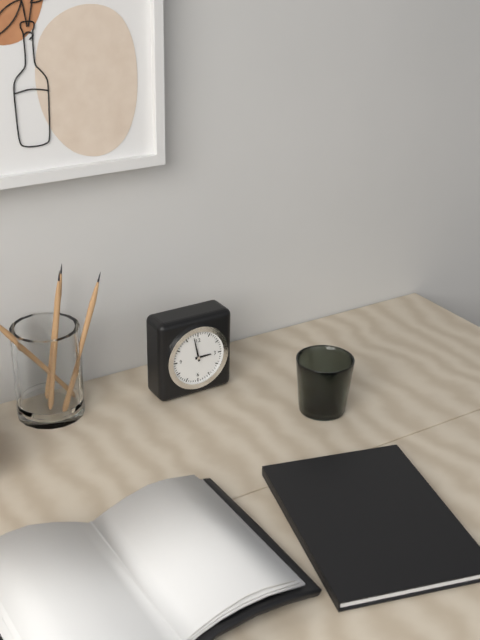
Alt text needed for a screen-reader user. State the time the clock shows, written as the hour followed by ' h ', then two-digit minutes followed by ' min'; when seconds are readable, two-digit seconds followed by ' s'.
2 h 58 min
